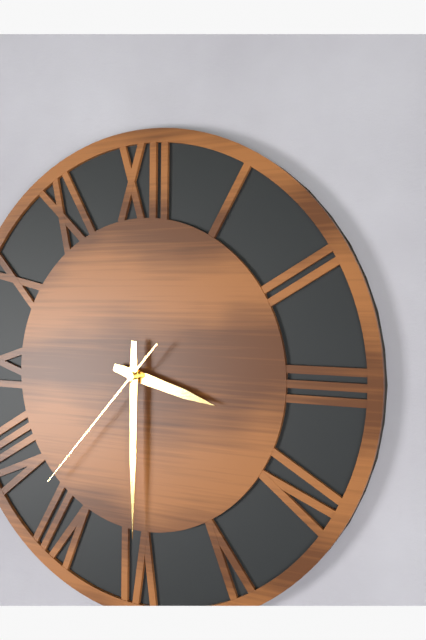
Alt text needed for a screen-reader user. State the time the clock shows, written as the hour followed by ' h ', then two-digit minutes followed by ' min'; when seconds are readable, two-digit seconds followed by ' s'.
3 h 30 min 37 s
